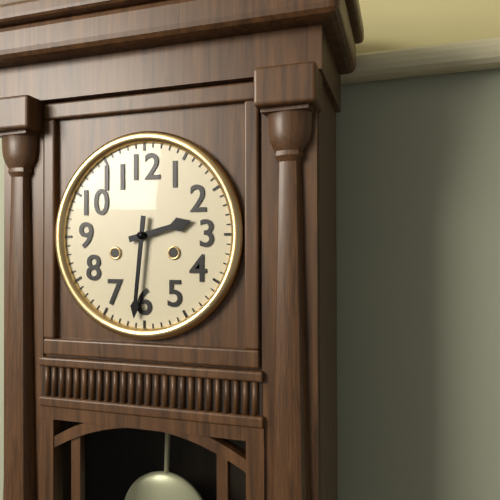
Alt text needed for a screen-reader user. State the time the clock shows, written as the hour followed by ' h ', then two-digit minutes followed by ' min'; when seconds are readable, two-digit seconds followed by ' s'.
2 h 31 min
